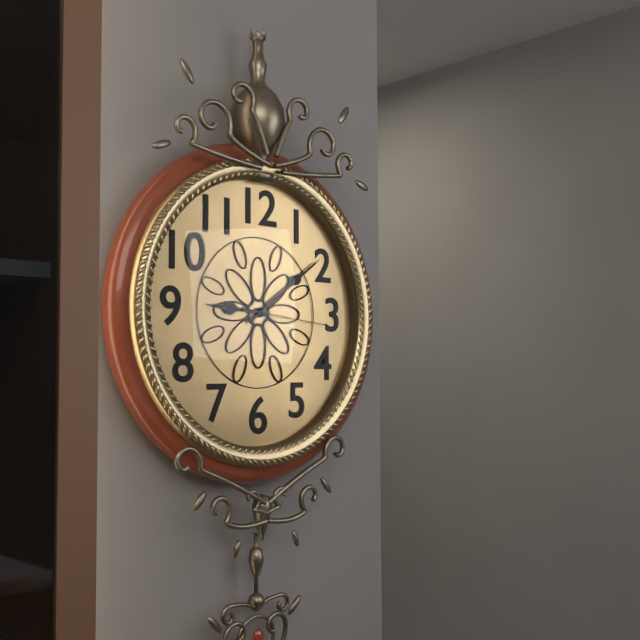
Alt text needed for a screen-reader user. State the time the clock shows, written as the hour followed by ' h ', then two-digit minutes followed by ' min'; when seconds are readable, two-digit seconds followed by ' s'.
9 h 09 min 16 s
